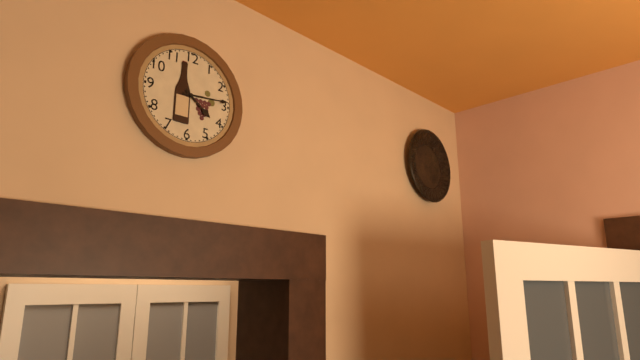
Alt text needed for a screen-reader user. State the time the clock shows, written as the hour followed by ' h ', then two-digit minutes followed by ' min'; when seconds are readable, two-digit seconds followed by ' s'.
4 h 14 min
